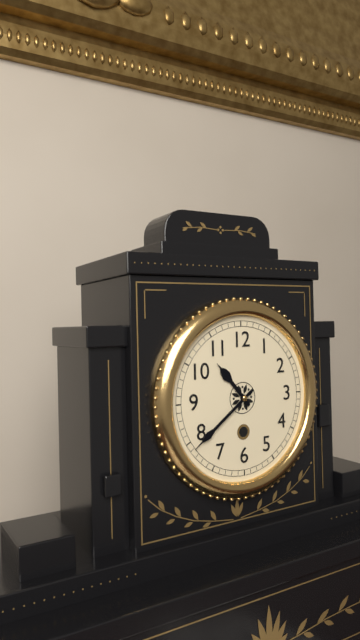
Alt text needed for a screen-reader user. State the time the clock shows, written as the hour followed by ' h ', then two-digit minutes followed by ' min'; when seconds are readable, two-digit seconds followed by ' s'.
10 h 39 min
